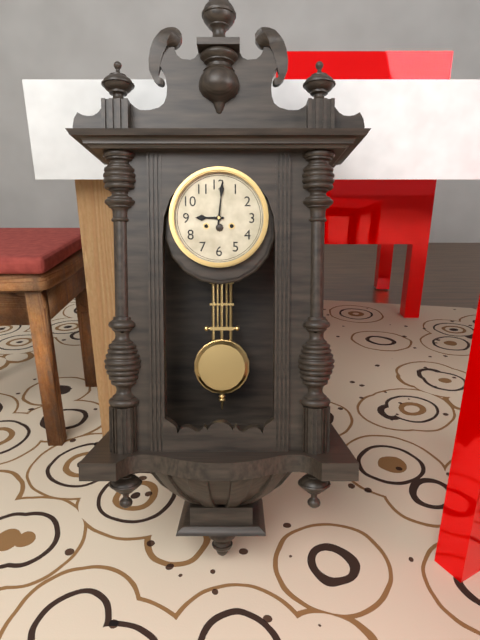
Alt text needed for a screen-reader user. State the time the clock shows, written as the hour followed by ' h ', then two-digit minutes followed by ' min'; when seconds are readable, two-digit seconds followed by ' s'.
9 h 01 min
